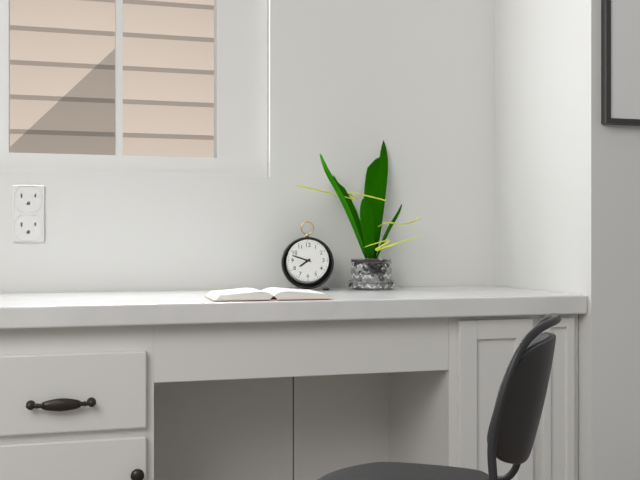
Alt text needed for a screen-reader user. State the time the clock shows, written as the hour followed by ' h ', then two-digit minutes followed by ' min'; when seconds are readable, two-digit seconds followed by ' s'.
7 h 48 min
